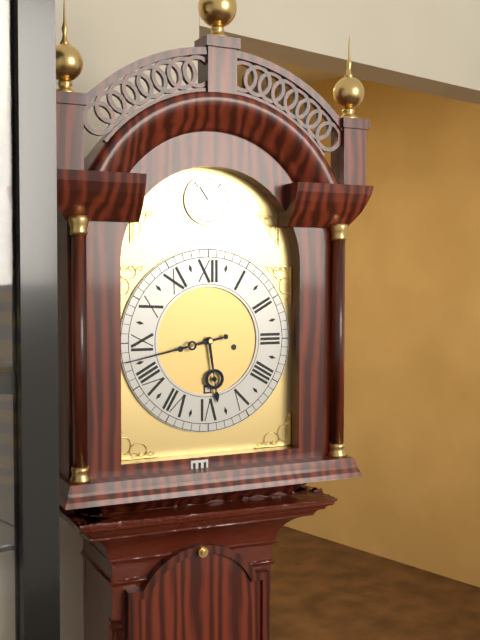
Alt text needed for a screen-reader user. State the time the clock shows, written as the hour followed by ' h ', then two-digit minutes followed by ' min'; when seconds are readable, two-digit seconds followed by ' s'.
5 h 43 min
